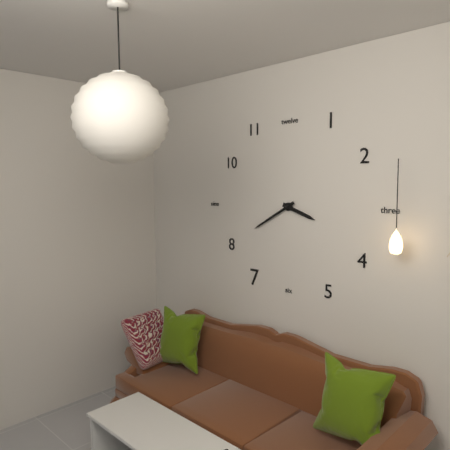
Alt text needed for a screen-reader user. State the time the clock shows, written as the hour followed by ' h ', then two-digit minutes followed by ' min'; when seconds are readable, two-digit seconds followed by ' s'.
3 h 40 min
